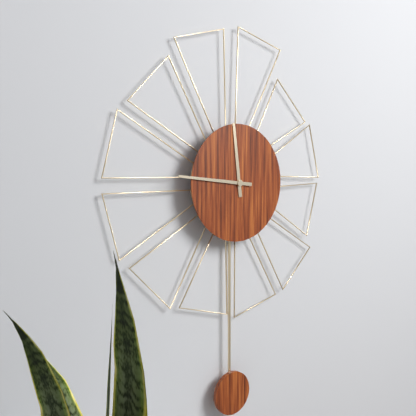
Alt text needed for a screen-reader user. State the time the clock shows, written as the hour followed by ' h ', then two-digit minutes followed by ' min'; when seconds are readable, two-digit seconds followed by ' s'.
11 h 46 min
